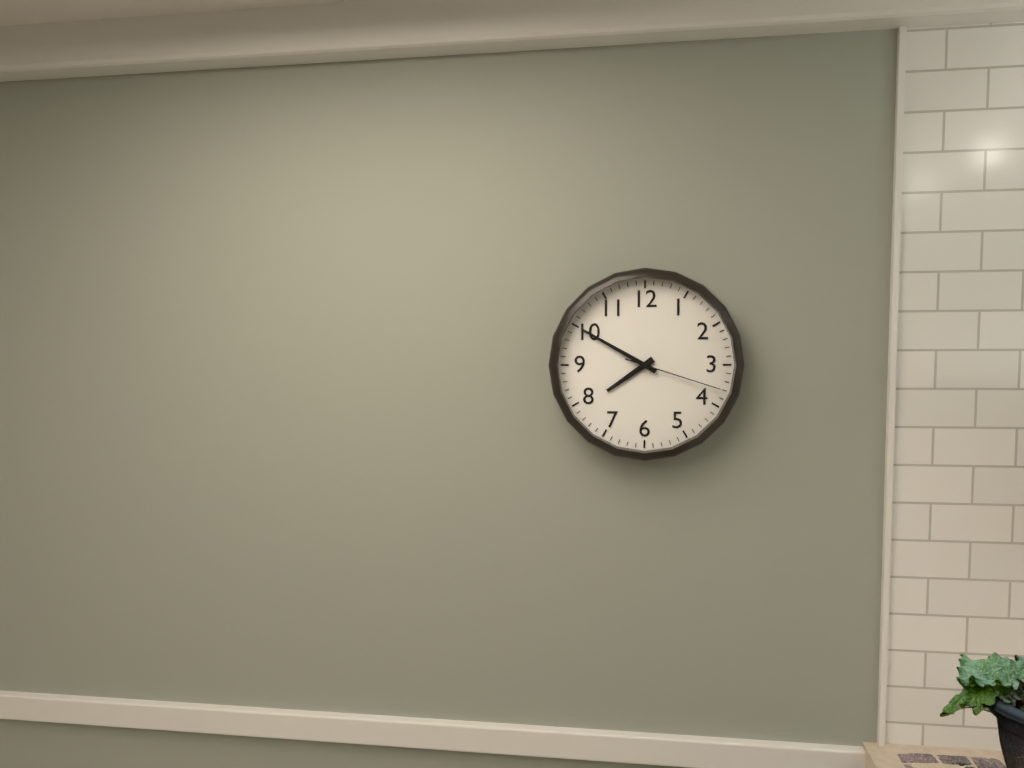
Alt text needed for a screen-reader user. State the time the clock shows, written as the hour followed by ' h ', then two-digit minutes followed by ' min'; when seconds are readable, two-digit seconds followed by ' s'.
7 h 50 min 18 s
